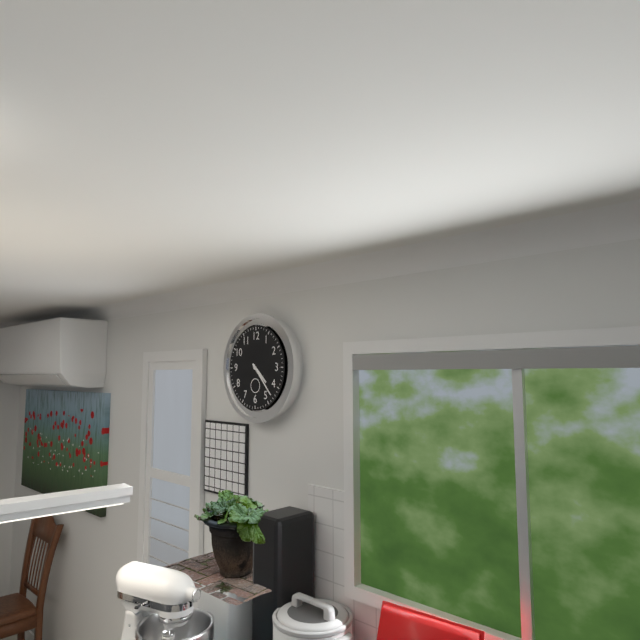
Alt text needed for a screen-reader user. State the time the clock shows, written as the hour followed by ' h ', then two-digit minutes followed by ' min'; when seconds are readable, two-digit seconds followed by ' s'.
4 h 23 min
